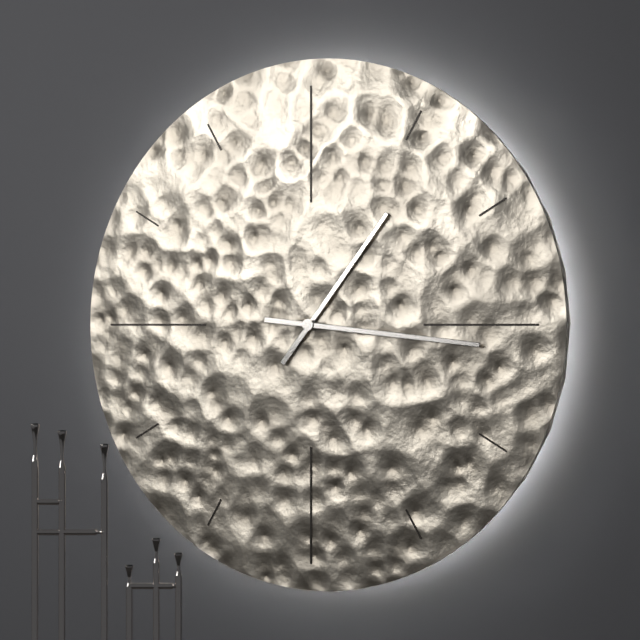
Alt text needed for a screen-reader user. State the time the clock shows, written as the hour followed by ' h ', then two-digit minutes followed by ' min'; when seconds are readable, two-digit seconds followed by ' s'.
1 h 16 min
